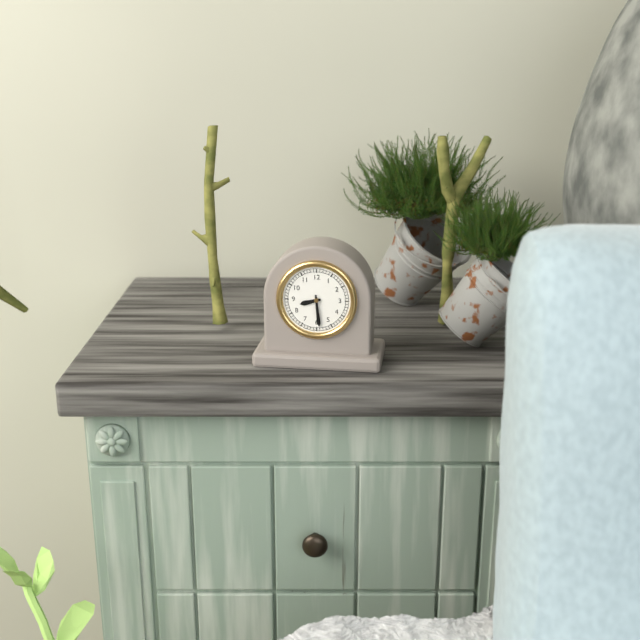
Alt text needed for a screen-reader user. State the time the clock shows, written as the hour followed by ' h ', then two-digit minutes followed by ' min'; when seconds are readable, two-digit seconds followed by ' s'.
8 h 29 min
